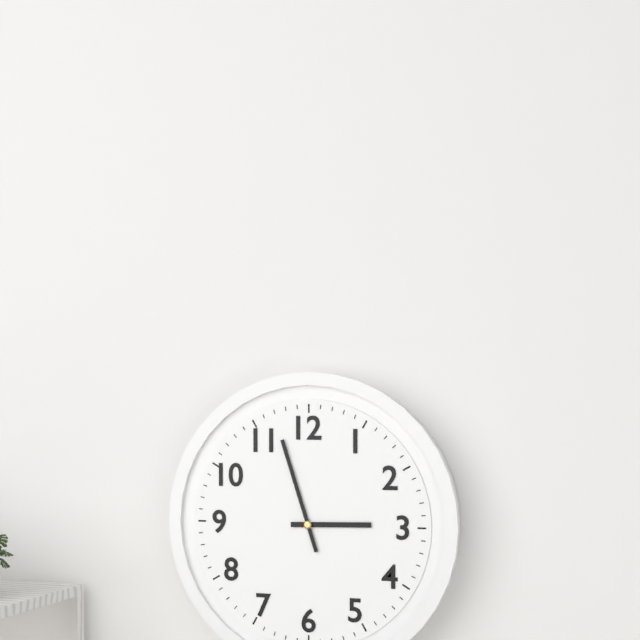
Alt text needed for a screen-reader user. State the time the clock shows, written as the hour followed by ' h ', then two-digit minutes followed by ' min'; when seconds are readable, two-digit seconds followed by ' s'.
2 h 57 min
